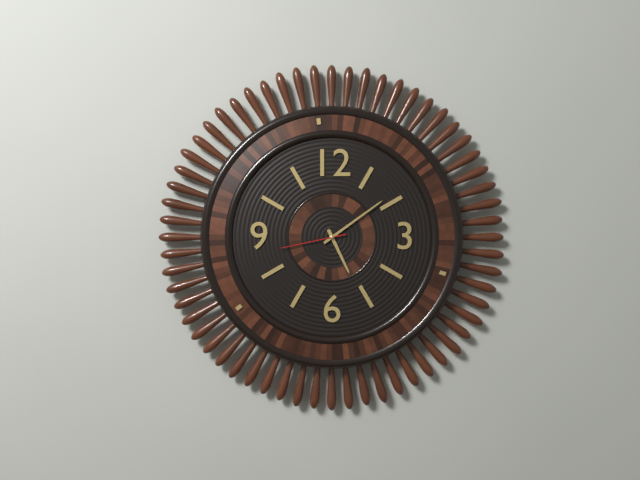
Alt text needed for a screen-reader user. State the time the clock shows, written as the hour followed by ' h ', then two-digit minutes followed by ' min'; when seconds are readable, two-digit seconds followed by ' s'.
5 h 09 min 43 s
